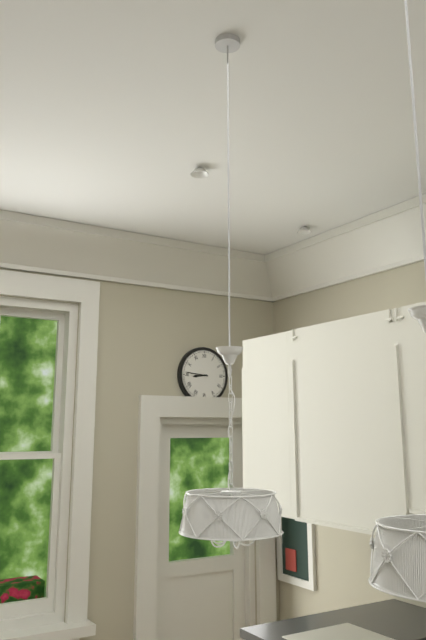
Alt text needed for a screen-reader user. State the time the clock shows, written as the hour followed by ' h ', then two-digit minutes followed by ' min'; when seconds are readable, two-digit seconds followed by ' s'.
8 h 46 min
